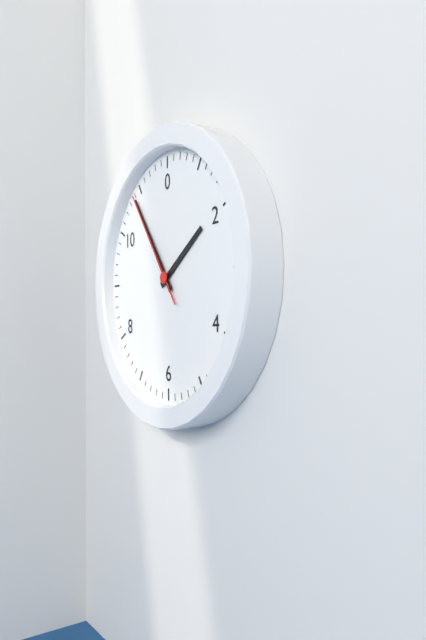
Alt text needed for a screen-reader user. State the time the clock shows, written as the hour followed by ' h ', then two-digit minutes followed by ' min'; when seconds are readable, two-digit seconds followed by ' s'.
1 h 54 min 54 s
